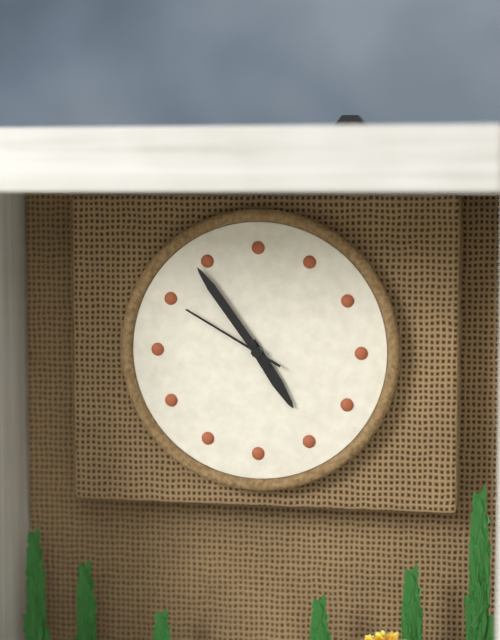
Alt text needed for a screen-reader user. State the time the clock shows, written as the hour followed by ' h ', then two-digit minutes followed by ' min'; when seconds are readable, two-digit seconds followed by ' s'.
4 h 54 min 50 s
